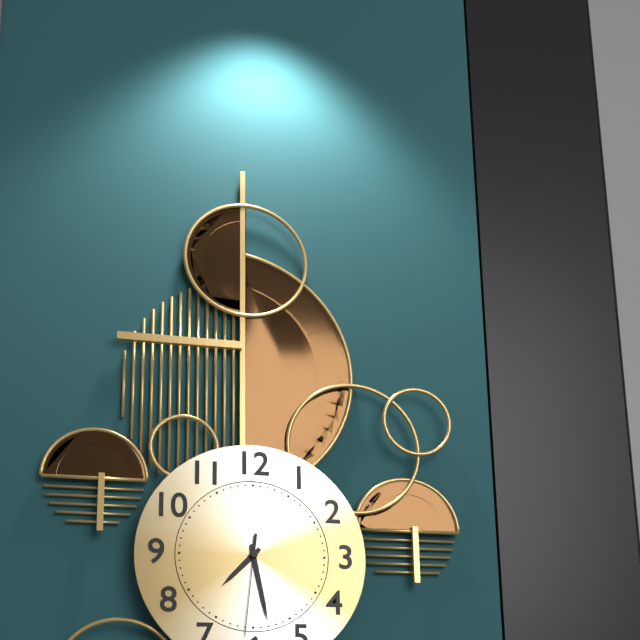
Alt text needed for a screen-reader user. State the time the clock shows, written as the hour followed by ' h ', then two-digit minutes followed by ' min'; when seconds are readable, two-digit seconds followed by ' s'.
7 h 28 min 31 s
